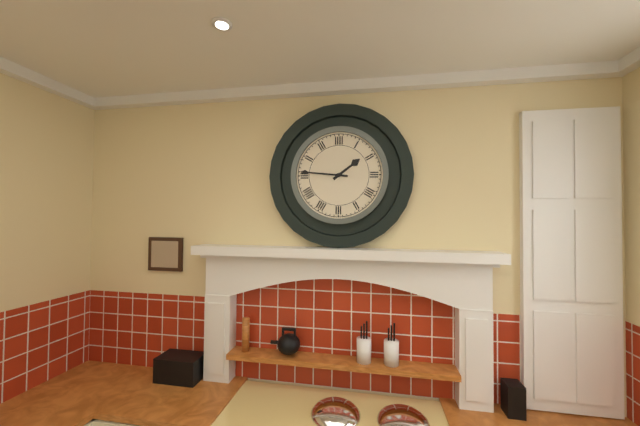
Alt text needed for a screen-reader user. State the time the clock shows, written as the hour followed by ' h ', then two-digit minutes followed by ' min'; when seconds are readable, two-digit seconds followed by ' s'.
1 h 46 min
